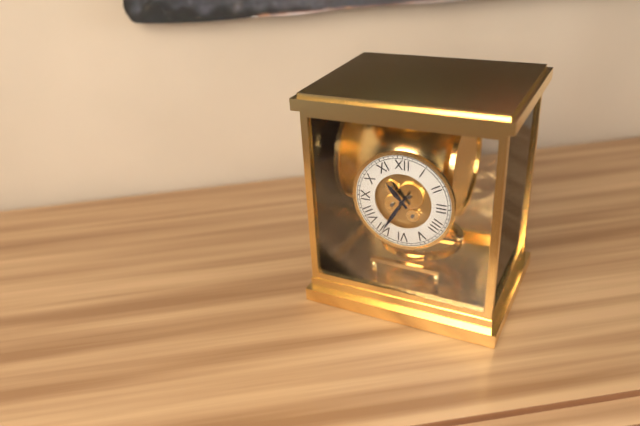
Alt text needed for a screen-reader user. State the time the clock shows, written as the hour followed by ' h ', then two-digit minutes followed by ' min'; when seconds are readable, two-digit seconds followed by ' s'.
10 h 35 min
